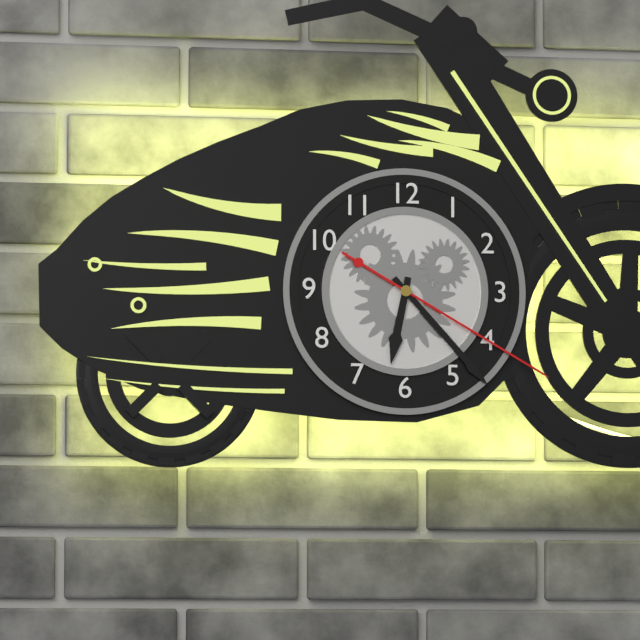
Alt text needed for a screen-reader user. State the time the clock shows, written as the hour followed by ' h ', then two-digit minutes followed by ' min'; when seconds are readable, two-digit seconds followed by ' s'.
6 h 23 min 20 s
